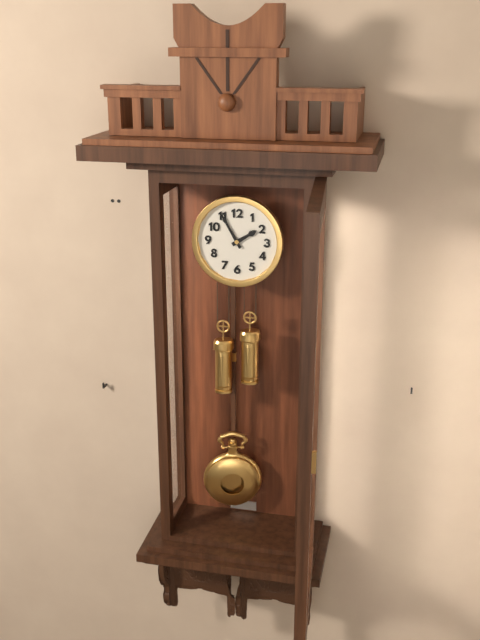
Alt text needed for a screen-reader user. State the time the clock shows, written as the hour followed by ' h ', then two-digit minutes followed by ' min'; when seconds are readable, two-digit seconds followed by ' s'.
1 h 55 min
